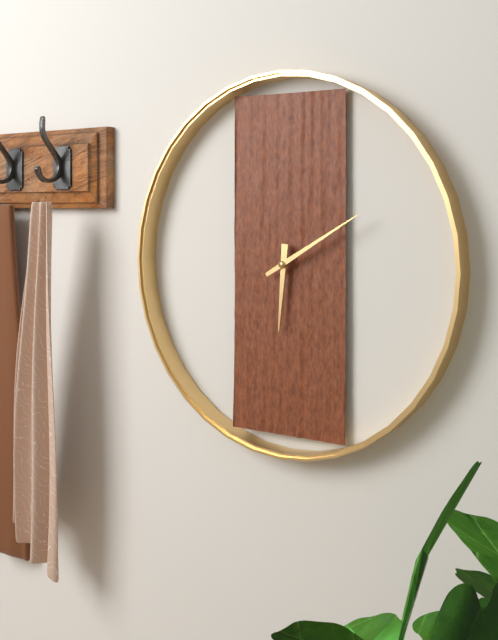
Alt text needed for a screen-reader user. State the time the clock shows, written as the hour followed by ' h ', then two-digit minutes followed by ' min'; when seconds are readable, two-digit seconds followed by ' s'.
6 h 10 min
